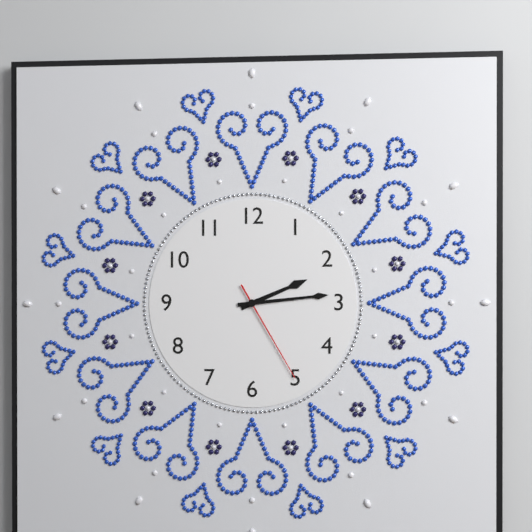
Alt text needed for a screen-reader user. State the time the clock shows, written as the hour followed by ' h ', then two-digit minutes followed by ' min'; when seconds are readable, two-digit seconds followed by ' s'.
2 h 14 min 25 s
